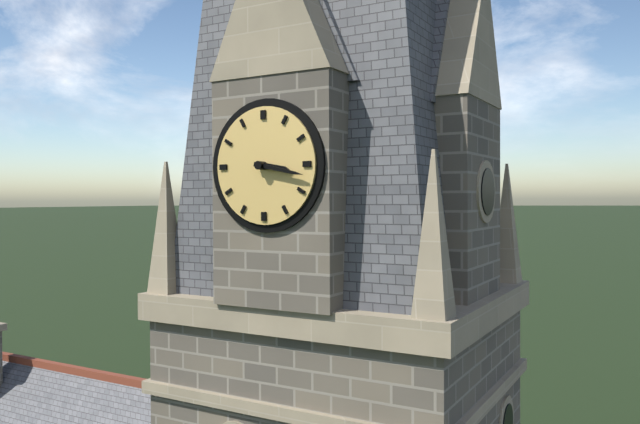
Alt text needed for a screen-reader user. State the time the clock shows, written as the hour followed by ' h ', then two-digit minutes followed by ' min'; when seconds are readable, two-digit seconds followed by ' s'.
3 h 17 min
